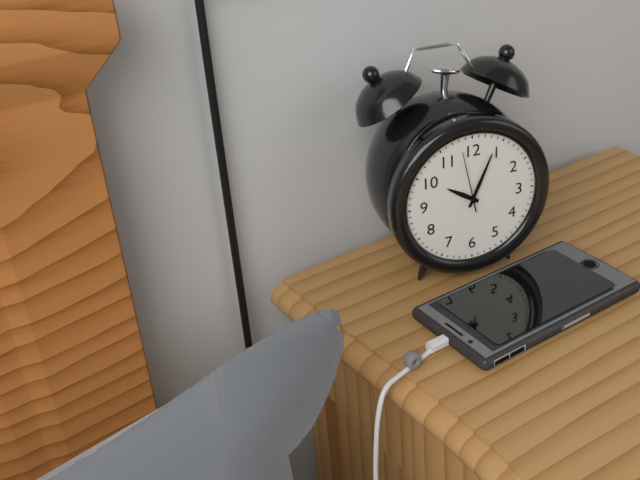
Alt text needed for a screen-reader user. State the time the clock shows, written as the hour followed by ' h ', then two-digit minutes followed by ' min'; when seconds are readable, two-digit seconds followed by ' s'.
10 h 04 min 58 s
